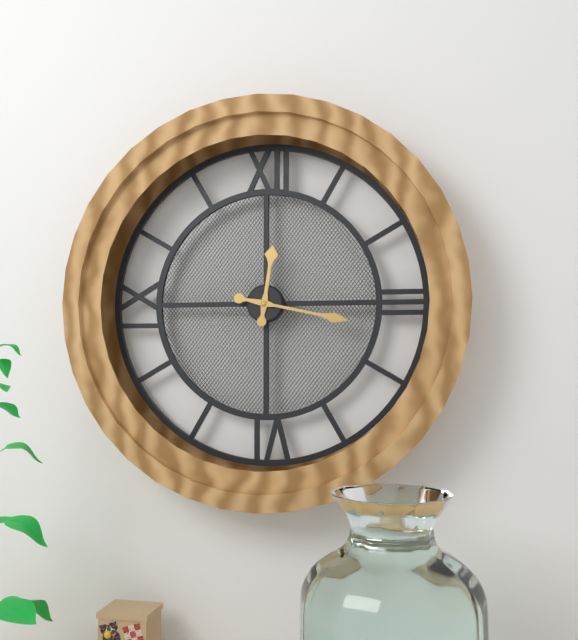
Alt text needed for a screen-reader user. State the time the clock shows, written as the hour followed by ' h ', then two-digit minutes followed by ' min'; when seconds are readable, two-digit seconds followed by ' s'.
12 h 17 min
